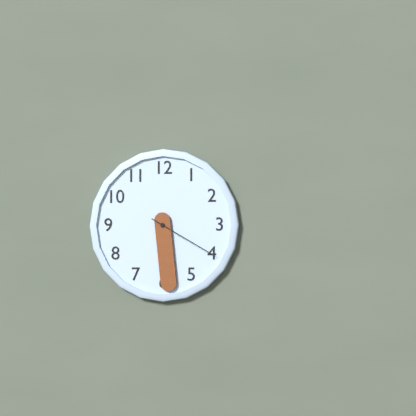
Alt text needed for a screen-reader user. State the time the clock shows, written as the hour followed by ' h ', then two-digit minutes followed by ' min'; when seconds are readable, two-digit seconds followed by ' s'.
5 h 29 min 20 s
